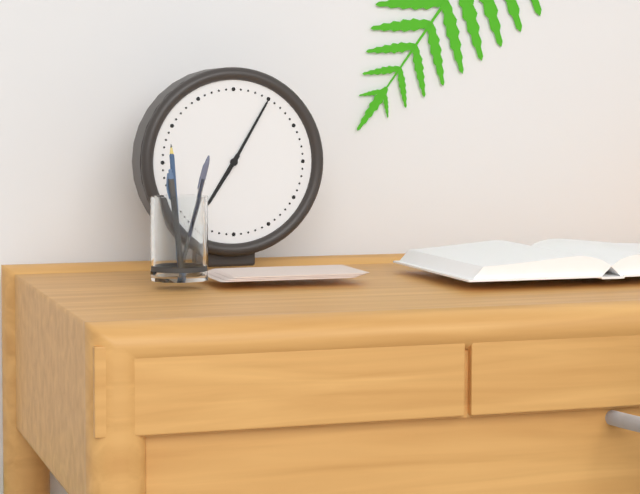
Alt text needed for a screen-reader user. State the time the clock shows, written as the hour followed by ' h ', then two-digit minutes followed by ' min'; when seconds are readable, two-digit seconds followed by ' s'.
7 h 05 min
